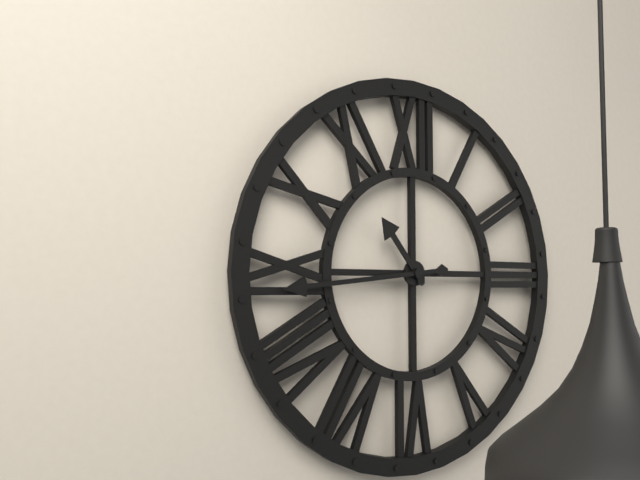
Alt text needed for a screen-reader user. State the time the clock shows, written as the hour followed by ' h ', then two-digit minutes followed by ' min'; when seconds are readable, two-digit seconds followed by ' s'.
10 h 44 min
